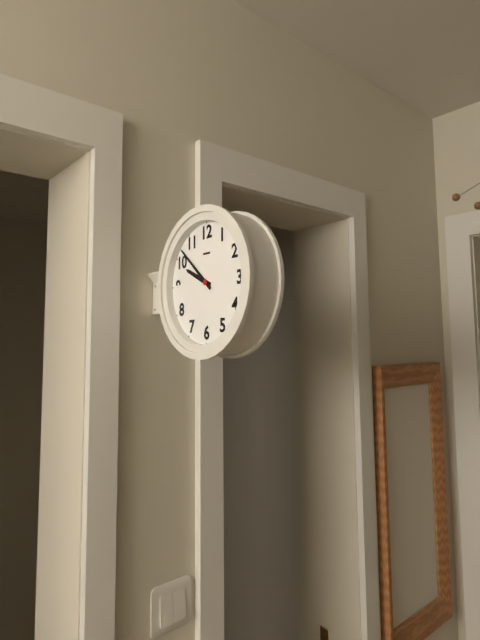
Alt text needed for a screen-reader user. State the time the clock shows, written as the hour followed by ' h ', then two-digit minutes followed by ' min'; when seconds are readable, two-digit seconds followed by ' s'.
9 h 52 min
